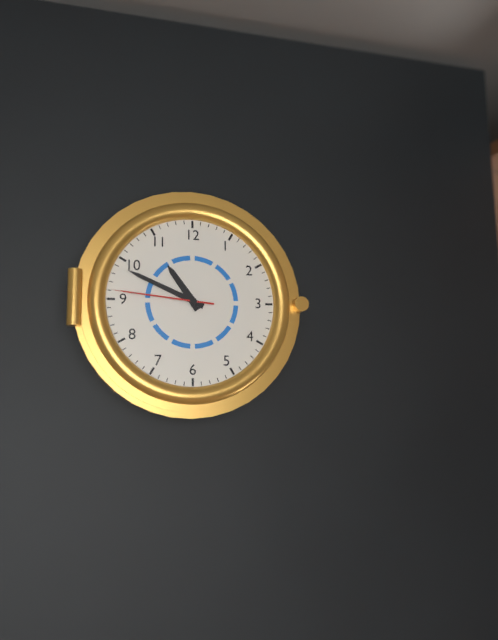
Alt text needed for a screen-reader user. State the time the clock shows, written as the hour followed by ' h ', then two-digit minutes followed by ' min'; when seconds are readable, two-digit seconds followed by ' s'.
10 h 49 min 46 s
